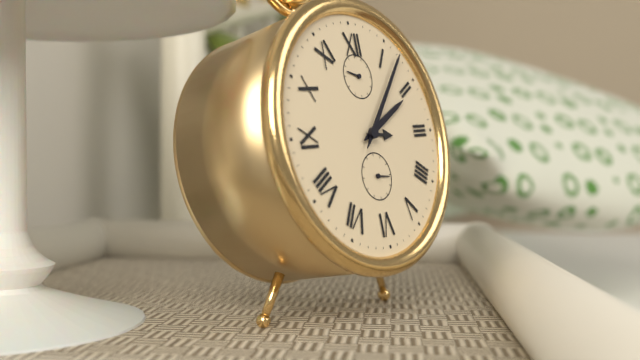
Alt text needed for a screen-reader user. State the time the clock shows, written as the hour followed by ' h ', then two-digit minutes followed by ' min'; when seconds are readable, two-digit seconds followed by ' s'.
2 h 07 min
